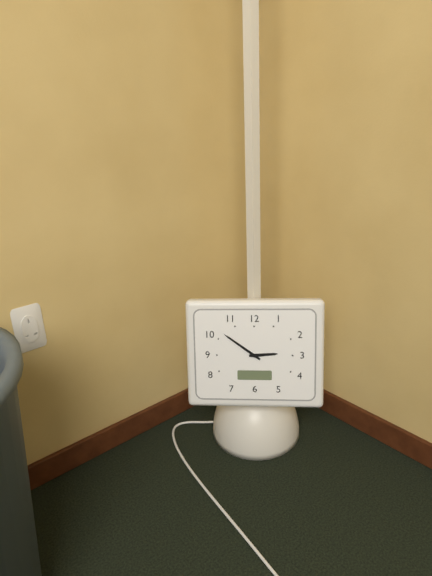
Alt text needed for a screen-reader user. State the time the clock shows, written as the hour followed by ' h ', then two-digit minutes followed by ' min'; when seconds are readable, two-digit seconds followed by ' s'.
2 h 51 min
